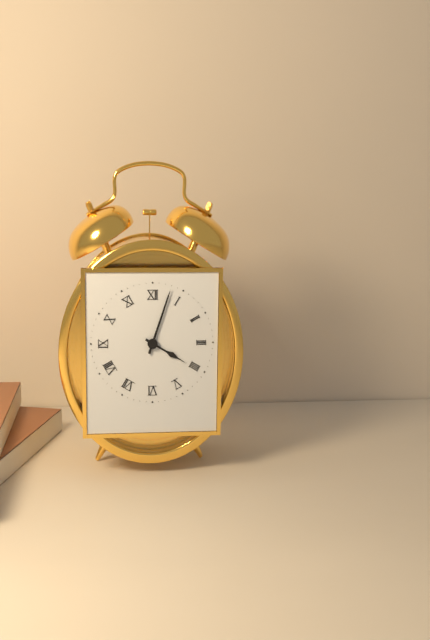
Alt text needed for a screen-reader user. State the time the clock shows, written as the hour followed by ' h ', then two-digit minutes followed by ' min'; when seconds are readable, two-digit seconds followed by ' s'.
4 h 03 min
